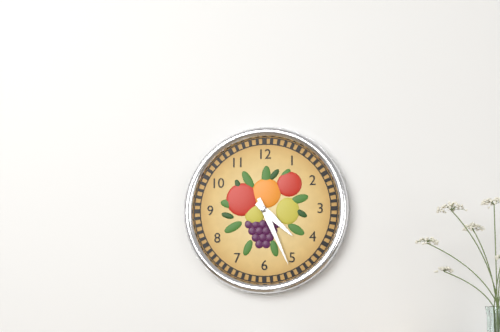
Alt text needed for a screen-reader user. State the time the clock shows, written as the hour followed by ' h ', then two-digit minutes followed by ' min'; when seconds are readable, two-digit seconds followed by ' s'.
4 h 26 min
